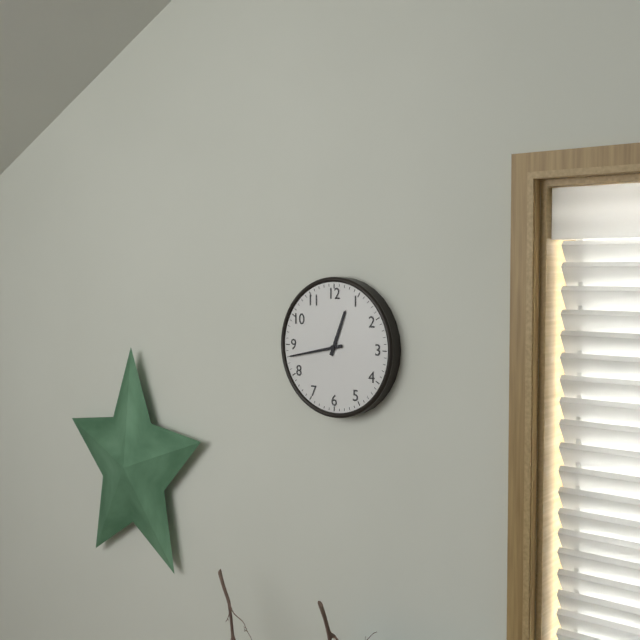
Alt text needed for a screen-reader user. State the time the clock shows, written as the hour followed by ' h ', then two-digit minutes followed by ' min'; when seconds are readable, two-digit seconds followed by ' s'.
12 h 43 min
